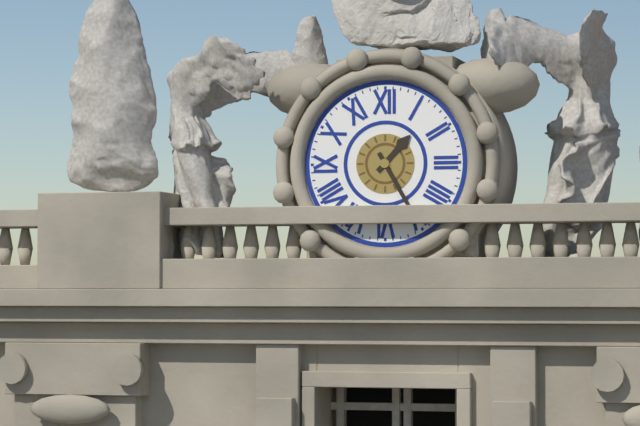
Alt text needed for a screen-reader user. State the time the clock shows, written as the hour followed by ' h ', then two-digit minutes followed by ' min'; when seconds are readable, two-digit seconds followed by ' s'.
1 h 25 min
